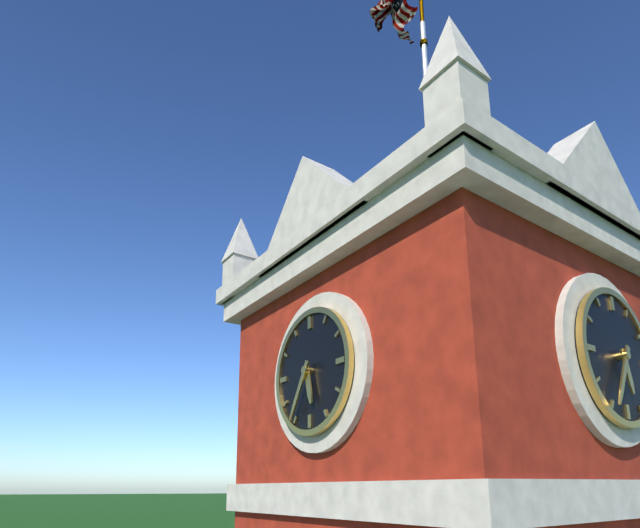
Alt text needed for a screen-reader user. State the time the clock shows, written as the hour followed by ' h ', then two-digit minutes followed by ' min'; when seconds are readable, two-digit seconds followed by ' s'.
5 h 35 min
